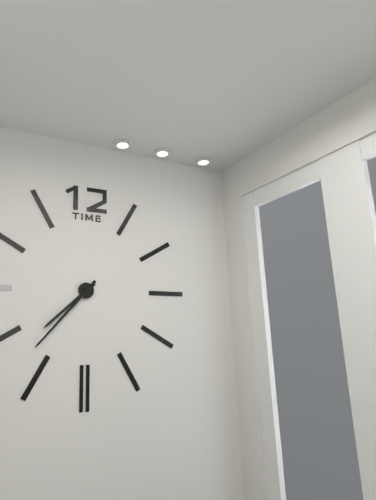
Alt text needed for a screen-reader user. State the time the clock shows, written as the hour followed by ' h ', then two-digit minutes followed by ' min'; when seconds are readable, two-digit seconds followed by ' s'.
7 h 37 min
